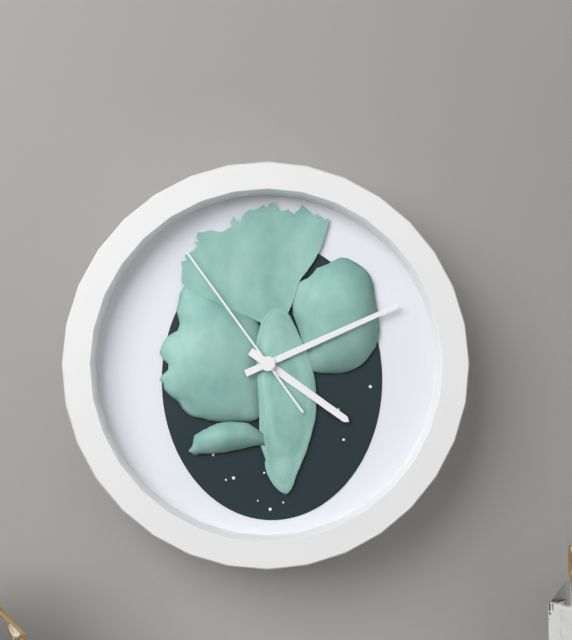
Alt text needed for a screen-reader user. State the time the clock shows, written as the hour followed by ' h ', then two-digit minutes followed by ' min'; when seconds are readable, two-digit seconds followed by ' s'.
4 h 11 min 54 s
